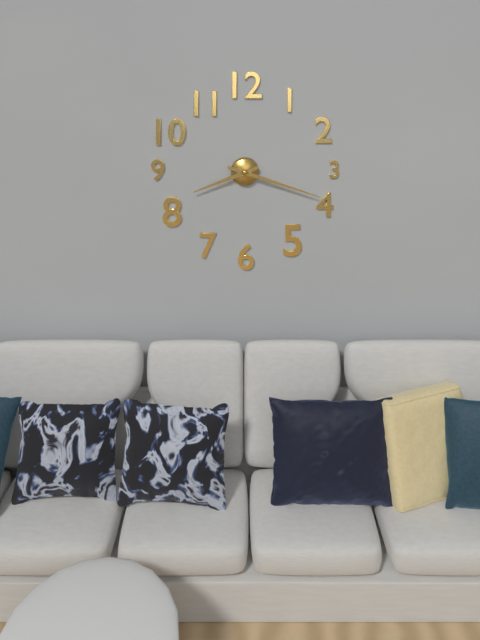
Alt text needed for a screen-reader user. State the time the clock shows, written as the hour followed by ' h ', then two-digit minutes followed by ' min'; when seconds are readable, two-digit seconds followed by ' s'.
8 h 18 min
